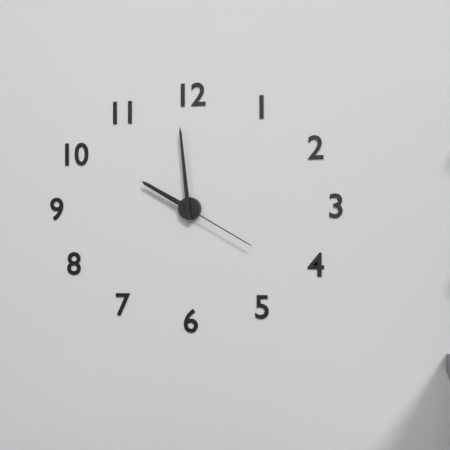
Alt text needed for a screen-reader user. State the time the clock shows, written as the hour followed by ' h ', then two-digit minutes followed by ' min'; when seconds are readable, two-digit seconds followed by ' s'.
9 h 59 min 20 s
